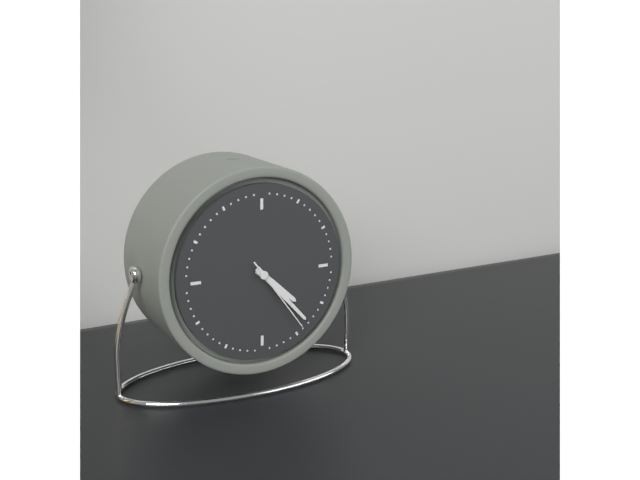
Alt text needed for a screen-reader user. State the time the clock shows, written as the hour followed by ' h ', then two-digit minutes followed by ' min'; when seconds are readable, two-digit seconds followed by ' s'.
4 h 23 min 24 s
